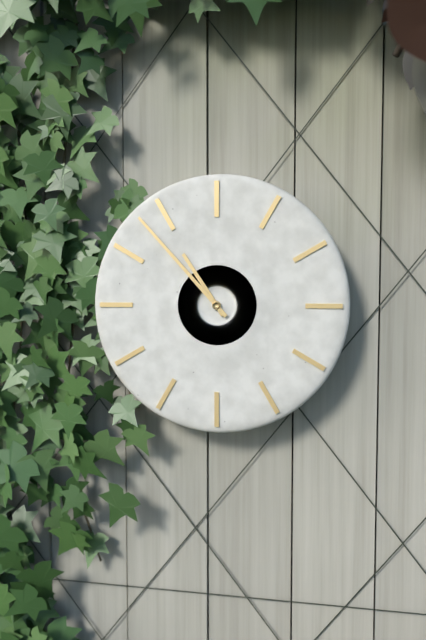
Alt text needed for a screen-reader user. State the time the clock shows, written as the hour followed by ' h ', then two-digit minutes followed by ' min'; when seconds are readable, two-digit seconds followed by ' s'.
10 h 53 min
